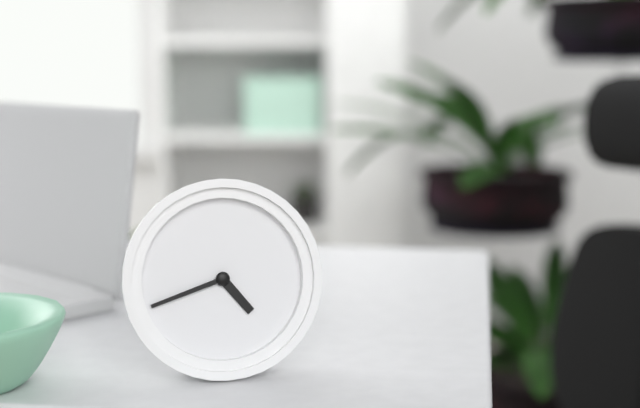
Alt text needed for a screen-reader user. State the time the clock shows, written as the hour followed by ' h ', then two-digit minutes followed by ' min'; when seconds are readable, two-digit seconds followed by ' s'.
4 h 42 min
